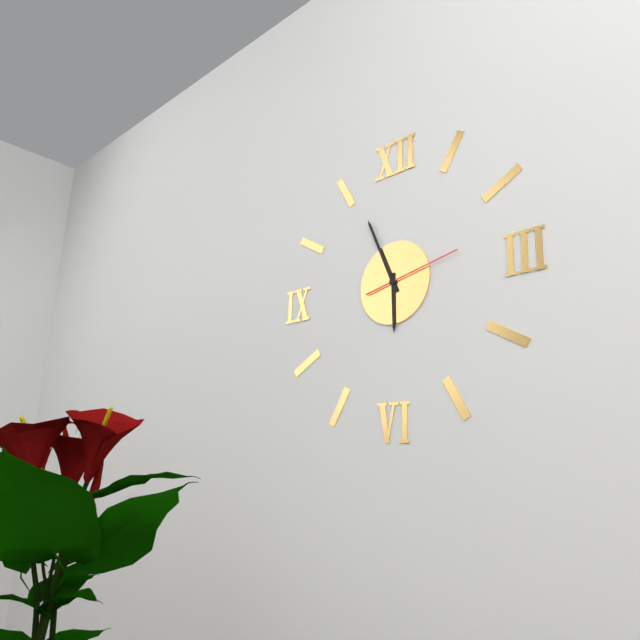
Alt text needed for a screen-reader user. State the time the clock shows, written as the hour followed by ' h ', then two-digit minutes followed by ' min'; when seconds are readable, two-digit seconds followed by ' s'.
5 h 56 min 13 s
